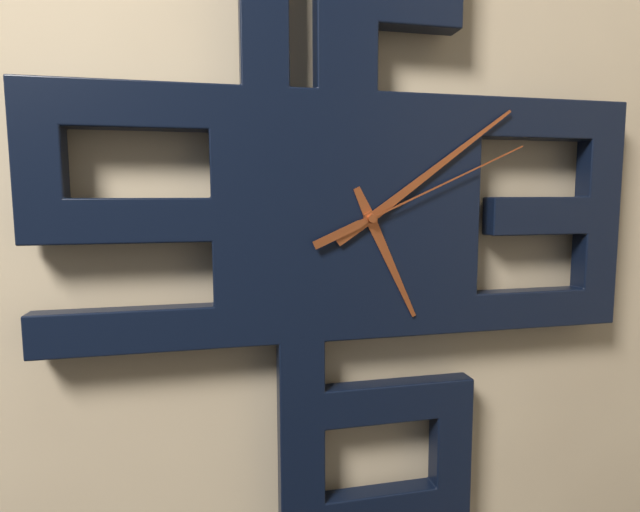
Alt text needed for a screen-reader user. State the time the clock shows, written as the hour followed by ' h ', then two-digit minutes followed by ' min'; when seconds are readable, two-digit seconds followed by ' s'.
5 h 09 min 11 s
